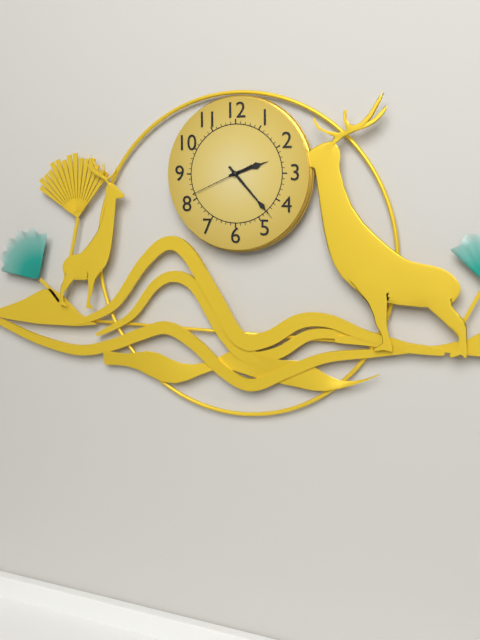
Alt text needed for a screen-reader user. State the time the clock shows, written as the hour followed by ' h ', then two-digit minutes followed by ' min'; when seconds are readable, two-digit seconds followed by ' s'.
2 h 23 min 41 s
